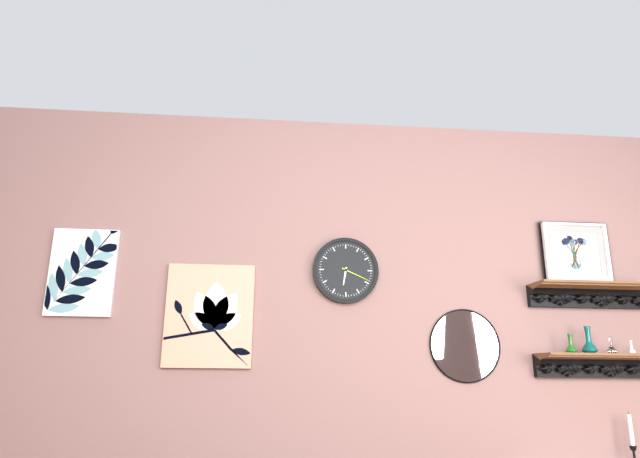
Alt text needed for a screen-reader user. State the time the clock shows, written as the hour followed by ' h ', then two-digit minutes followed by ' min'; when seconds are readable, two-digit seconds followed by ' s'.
6 h 19 min
